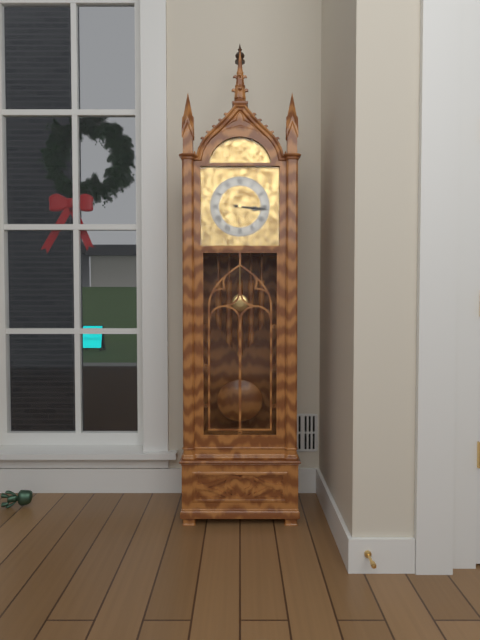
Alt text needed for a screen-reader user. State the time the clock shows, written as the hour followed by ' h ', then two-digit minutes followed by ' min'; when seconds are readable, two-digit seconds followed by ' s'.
3 h 16 min
